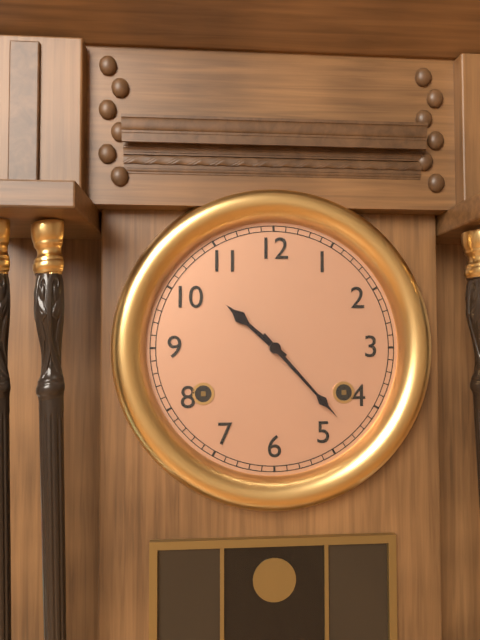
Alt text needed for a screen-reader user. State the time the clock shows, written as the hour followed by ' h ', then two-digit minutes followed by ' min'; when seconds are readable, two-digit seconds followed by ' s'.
10 h 23 min
